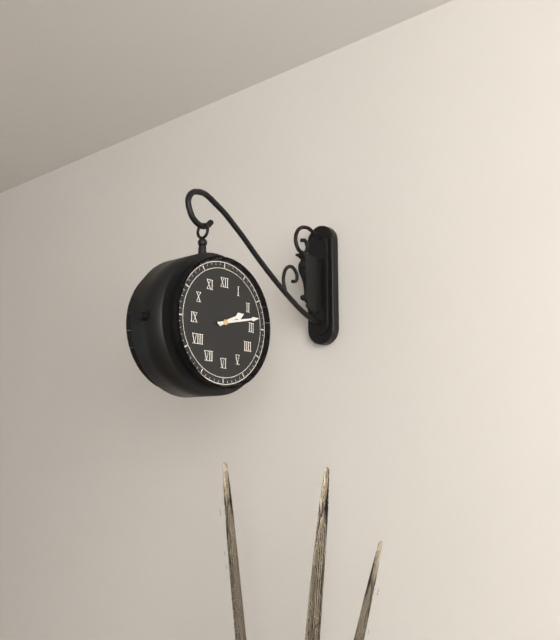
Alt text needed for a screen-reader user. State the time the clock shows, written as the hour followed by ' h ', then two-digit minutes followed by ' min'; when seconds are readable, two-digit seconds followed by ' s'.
2 h 13 min
